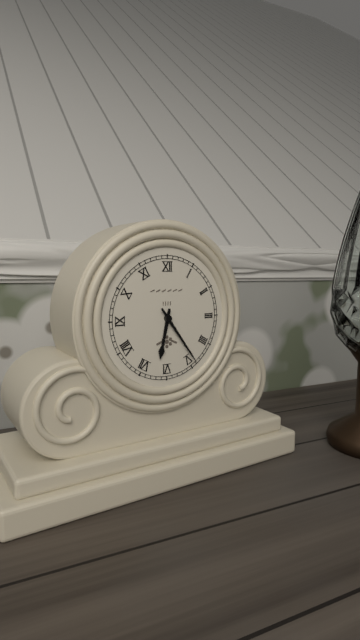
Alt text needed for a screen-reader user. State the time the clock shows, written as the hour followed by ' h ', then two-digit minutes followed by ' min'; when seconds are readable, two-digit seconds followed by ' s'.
6 h 24 min
